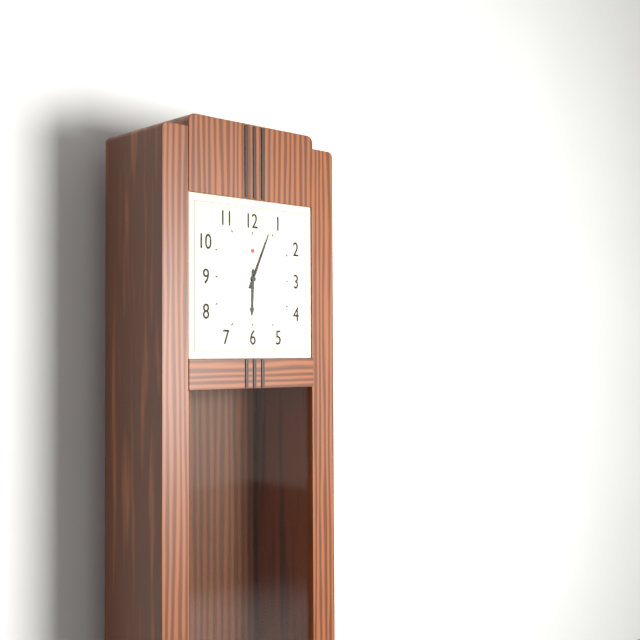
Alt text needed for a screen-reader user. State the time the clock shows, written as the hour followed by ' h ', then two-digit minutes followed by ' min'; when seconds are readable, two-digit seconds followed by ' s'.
6 h 04 min
